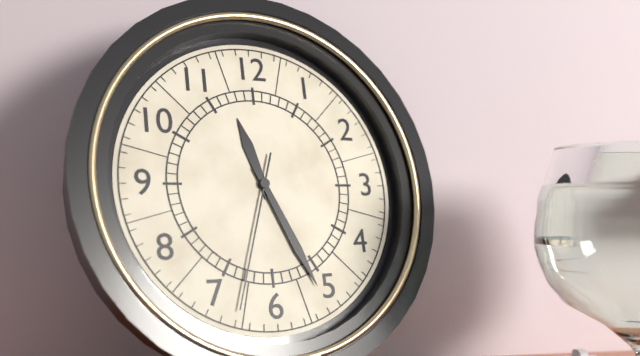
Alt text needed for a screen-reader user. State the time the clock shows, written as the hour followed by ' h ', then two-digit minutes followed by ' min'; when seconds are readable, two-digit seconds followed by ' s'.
11 h 26 min 33 s
